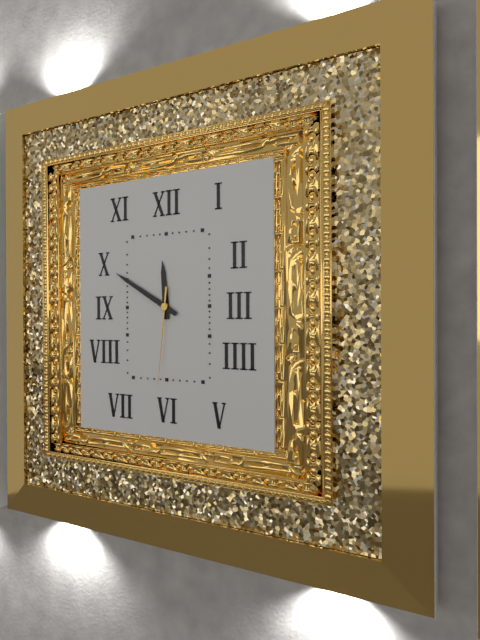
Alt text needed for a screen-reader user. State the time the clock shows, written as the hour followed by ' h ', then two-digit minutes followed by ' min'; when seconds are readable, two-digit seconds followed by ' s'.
11 h 50 min 31 s
